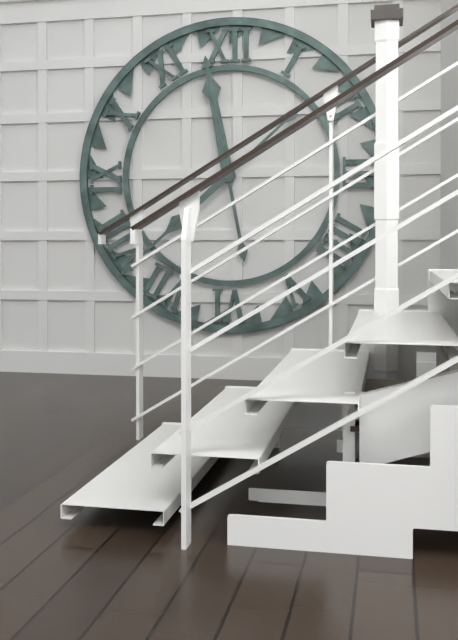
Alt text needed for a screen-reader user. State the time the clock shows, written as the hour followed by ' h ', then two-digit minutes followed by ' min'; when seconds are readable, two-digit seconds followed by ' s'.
11 h 38 min
